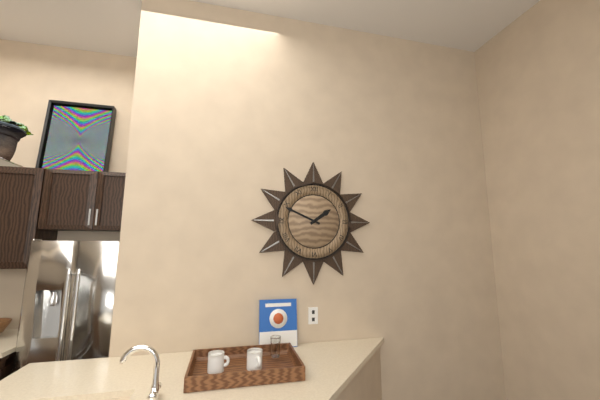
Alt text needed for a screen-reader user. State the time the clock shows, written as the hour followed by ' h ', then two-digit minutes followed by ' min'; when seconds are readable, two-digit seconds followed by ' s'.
1 h 49 min
